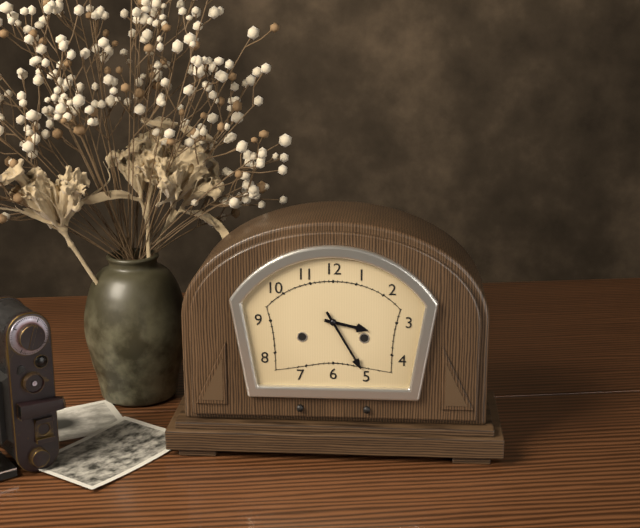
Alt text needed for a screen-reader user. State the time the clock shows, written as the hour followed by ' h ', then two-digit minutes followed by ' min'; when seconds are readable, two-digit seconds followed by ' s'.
3 h 25 min
